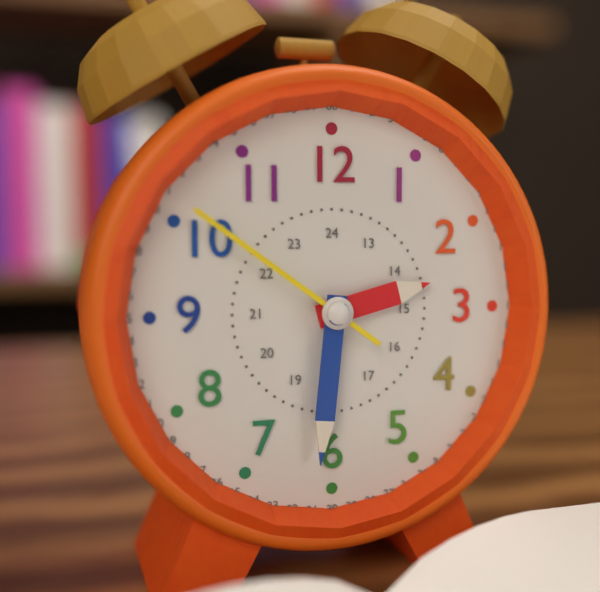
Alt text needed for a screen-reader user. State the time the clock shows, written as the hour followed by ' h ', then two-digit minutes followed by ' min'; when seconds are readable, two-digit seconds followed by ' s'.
2 h 31 min 51 s
